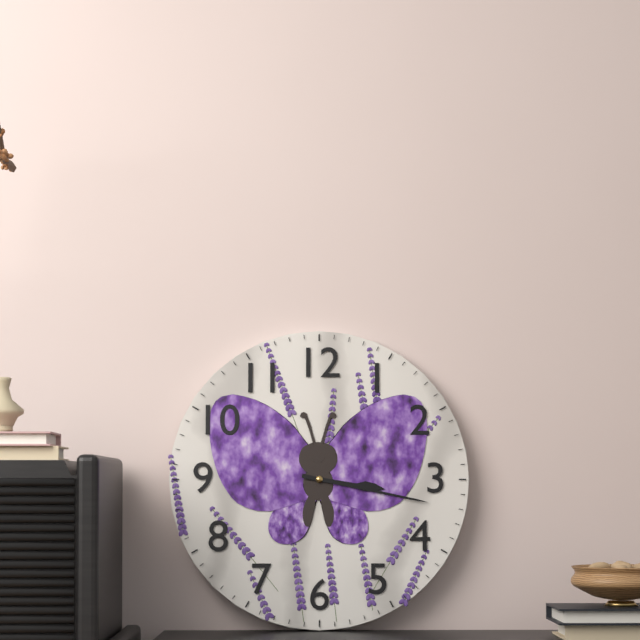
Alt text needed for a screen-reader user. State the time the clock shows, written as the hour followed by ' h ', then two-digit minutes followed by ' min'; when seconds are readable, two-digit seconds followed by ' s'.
3 h 17 min
